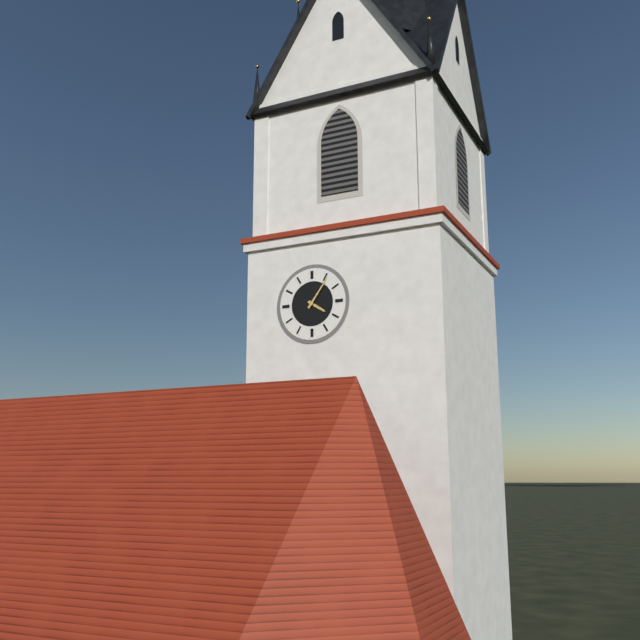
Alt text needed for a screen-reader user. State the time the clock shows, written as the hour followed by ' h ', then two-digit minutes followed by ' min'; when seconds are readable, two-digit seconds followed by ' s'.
4 h 06 min
